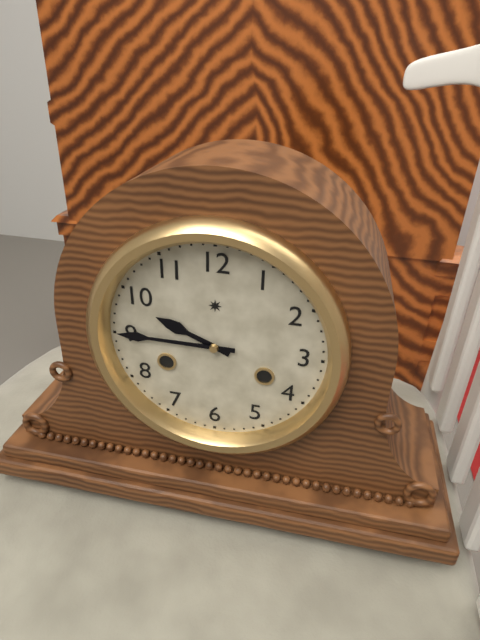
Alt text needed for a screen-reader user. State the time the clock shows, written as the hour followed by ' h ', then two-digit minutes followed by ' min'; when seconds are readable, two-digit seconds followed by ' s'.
9 h 45 min
